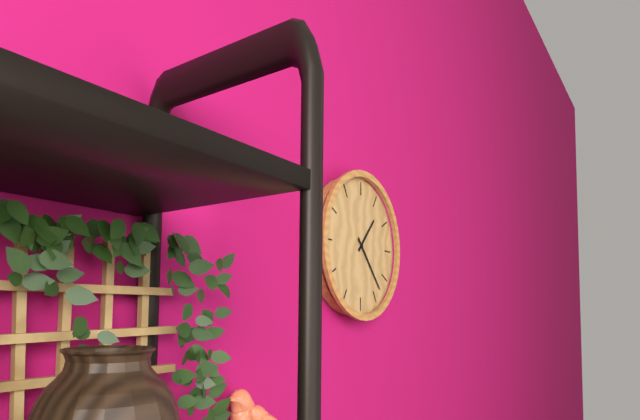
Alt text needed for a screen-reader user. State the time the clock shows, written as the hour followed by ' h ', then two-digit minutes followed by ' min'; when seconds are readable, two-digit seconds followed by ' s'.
1 h 23 min
